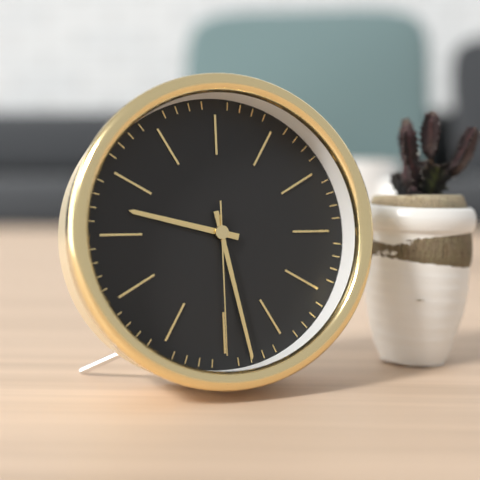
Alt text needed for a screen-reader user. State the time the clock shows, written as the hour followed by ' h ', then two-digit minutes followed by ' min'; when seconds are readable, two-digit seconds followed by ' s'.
9 h 28 min 30 s
